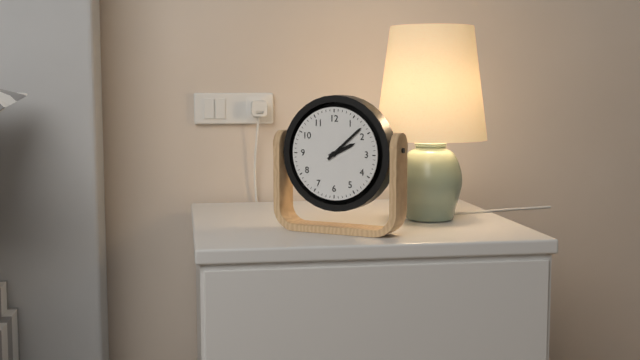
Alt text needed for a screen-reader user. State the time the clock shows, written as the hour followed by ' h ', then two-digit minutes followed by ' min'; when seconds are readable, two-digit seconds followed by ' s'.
2 h 08 min
